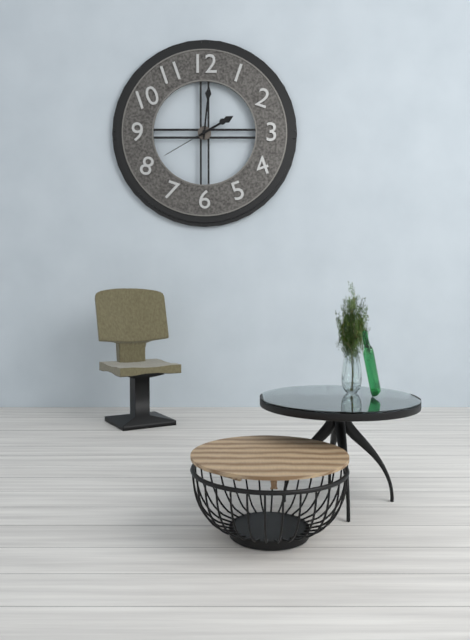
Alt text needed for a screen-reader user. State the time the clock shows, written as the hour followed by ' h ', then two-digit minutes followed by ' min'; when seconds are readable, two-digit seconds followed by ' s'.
2 h 01 min 40 s
